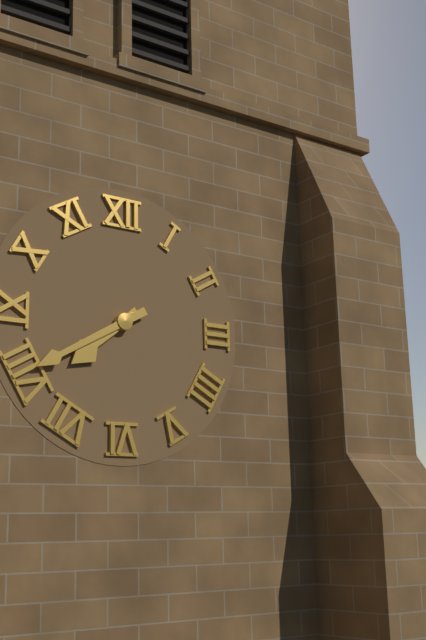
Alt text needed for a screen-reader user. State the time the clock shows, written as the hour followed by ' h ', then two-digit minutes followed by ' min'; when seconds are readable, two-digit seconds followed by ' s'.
7 h 40 min
